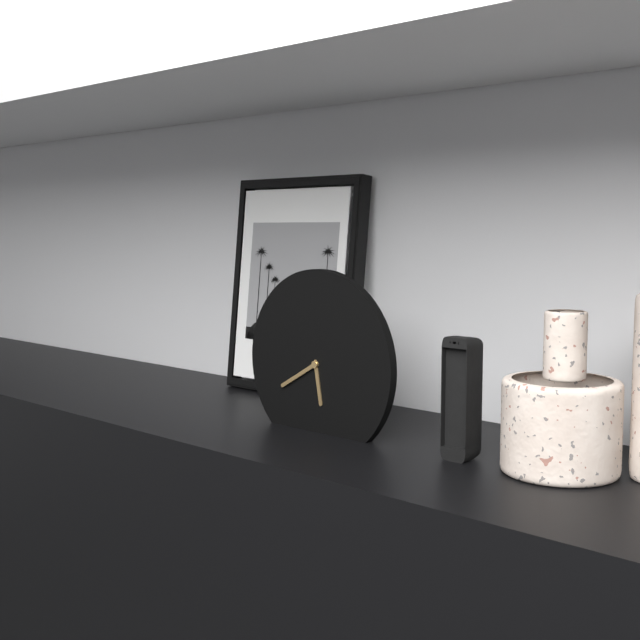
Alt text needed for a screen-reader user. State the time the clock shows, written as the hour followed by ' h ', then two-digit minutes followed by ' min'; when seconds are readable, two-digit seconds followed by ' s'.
5 h 40 min
